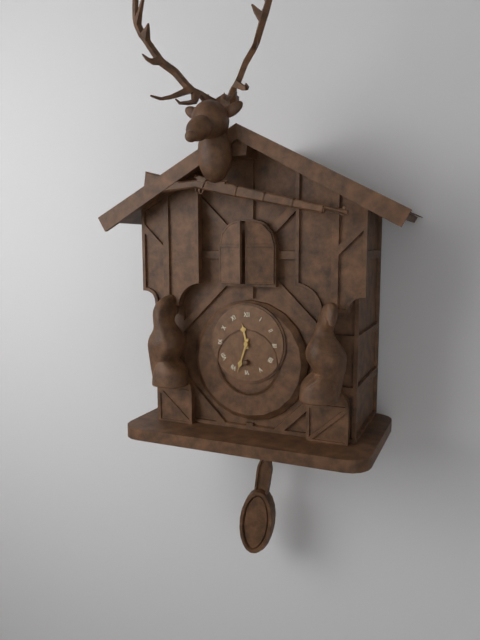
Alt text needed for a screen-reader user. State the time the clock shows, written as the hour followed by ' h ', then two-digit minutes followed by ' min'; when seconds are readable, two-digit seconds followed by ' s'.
11 h 33 min
